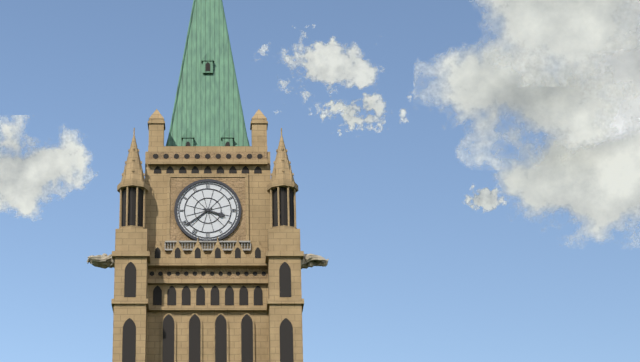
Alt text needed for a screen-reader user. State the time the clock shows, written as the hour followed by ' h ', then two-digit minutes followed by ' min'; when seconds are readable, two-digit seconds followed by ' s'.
3 h 39 min
